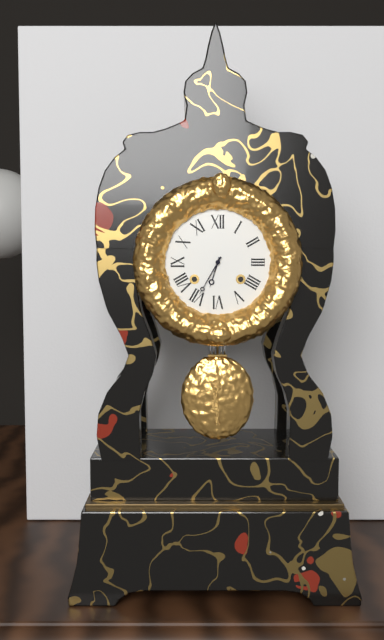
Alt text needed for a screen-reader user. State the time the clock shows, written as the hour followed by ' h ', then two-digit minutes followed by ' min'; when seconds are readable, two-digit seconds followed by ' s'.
6 h 35 min
